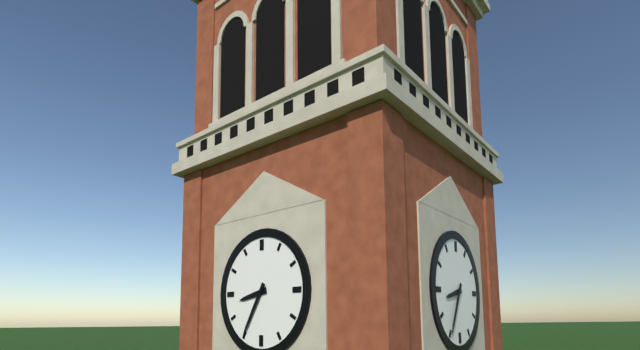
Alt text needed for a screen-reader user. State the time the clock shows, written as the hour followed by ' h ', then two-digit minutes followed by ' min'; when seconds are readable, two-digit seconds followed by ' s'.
8 h 35 min
